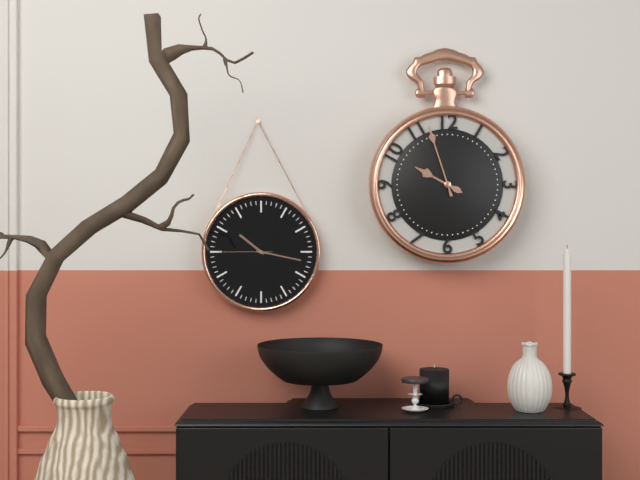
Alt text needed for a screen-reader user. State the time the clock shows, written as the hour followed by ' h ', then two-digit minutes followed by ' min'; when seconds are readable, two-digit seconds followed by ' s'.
9 h 57 min
